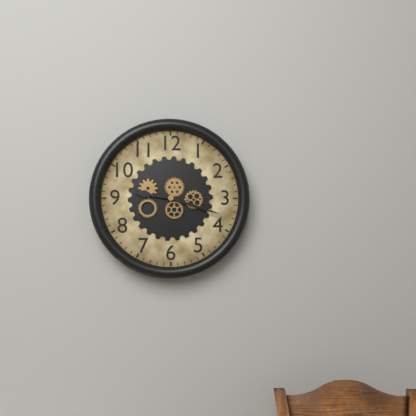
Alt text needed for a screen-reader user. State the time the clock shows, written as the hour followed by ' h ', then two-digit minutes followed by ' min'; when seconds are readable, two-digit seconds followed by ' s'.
9 h 18 min
